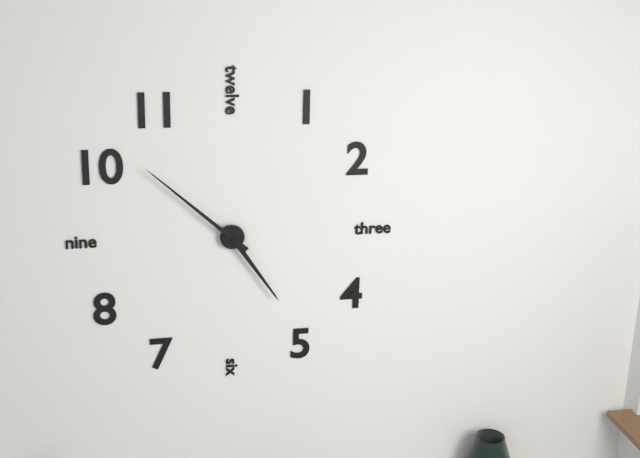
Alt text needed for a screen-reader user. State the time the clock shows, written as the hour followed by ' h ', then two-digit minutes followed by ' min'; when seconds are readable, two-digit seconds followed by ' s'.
4 h 52 min
